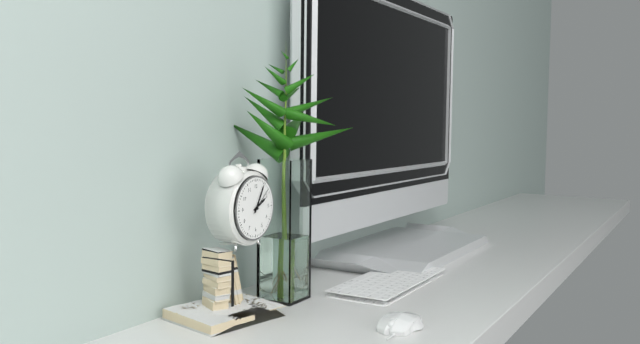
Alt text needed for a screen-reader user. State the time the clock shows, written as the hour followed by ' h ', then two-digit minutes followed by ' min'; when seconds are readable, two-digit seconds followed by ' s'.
2 h 05 min
